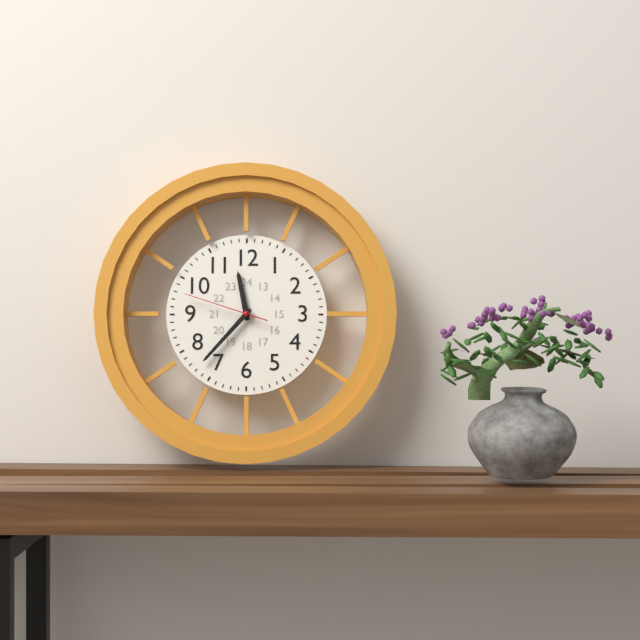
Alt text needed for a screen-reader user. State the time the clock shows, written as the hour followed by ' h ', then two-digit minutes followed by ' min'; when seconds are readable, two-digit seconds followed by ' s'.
11 h 37 min 48 s
